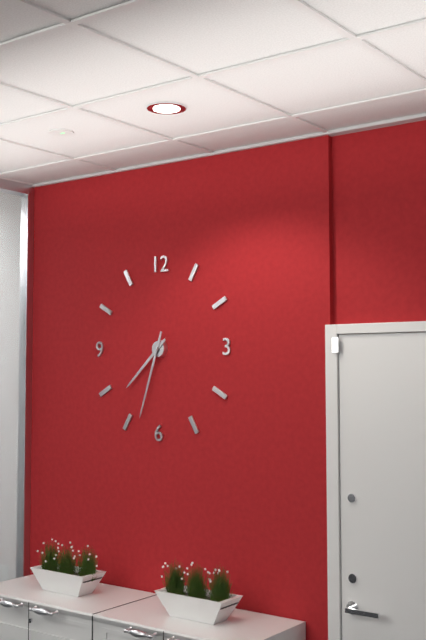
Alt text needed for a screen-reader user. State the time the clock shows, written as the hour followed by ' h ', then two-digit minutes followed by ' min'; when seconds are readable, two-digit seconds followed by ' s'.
7 h 33 min
